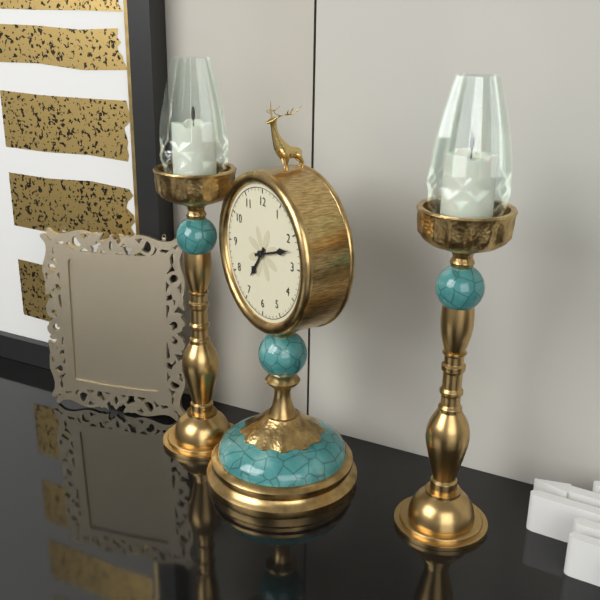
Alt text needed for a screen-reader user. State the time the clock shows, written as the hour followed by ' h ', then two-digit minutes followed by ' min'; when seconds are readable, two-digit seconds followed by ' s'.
7 h 12 min
